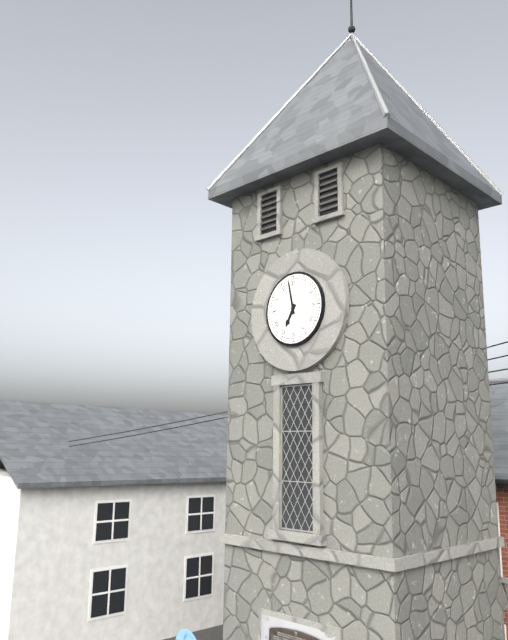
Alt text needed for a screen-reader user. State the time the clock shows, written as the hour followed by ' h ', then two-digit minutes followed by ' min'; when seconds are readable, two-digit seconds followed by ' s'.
6 h 58 min
